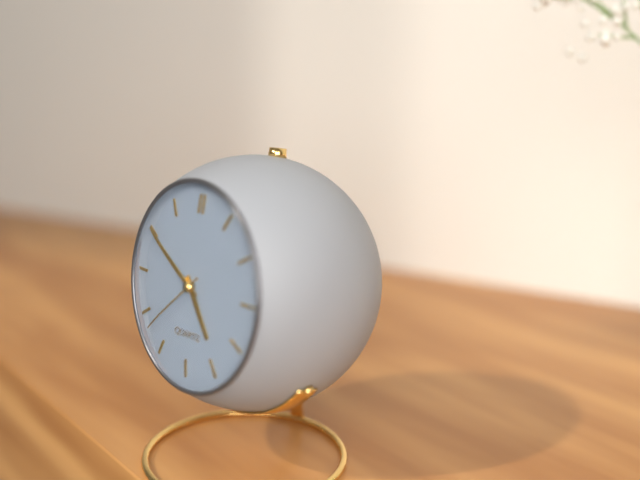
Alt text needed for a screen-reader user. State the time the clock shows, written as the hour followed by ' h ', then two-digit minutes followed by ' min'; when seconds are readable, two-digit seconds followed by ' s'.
4 h 50 min 38 s
